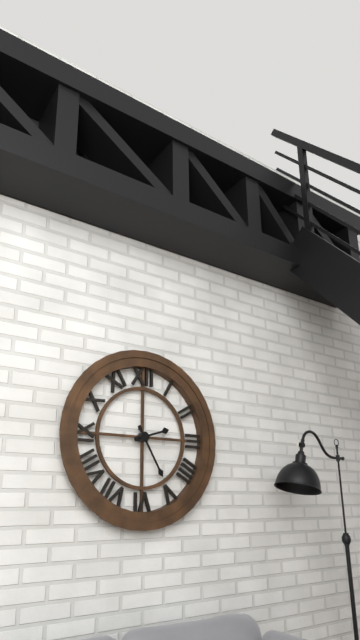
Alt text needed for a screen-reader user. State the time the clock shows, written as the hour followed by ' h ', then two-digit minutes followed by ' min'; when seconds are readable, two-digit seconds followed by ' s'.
2 h 25 min
